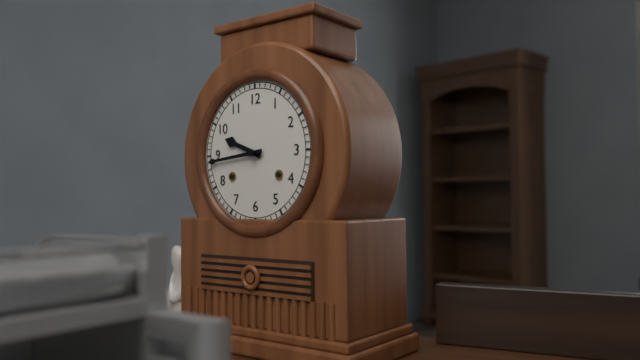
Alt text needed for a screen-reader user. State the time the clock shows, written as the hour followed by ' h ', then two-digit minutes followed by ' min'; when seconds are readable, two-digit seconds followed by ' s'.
9 h 44 min
